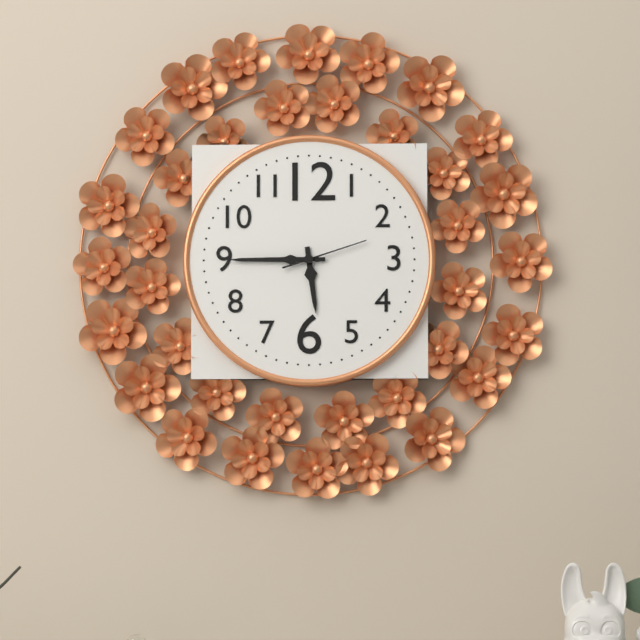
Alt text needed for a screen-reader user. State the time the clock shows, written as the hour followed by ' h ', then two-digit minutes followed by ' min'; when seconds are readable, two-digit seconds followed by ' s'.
5 h 45 min 12 s
